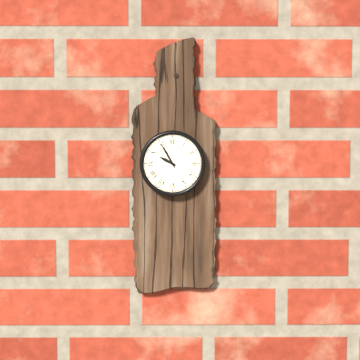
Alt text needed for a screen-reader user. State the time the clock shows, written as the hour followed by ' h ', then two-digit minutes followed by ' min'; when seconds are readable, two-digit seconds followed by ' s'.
9 h 55 min
